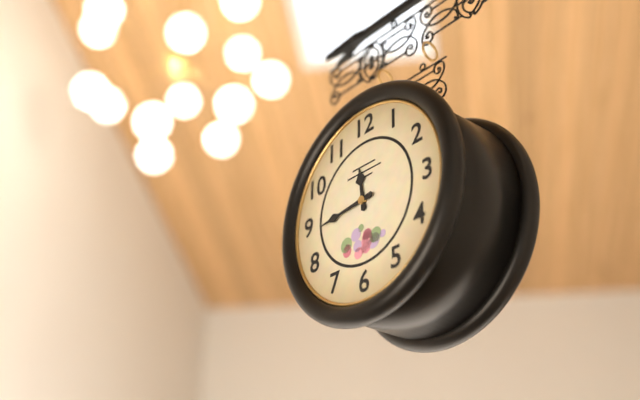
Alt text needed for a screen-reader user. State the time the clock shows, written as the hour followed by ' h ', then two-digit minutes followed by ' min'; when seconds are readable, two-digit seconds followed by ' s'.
11 h 44 min
